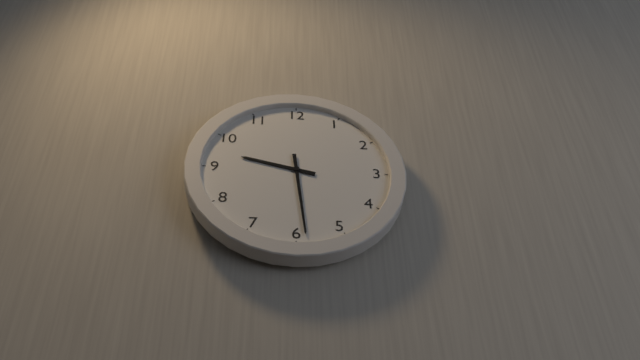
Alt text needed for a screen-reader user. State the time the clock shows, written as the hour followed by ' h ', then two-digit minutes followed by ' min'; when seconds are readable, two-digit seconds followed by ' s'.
9 h 29 min
